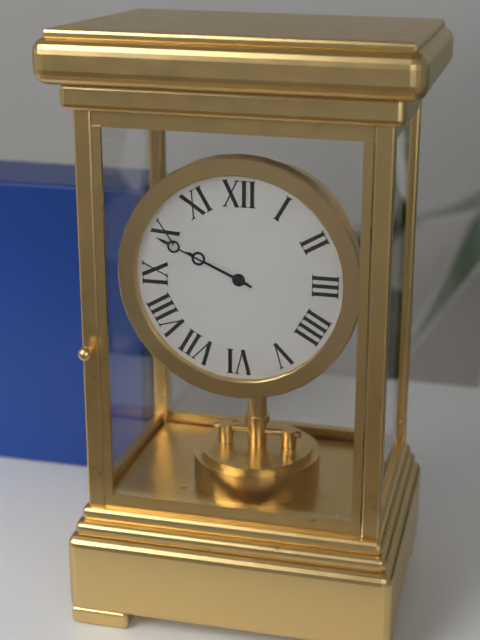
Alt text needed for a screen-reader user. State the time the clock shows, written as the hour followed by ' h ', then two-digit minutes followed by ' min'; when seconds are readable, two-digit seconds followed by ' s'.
9 h 49 min
